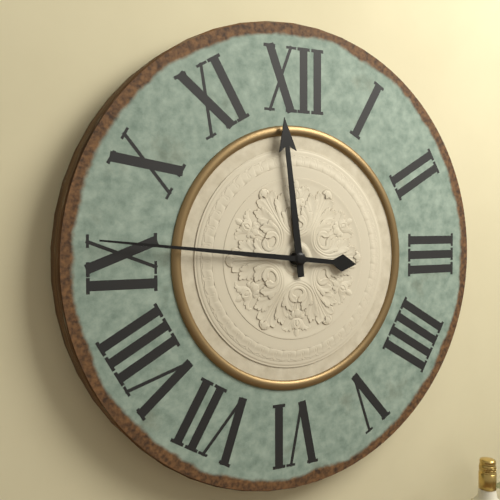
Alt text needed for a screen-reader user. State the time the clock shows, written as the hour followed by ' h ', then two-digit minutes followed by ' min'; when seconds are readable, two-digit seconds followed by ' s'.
11 h 46 min
